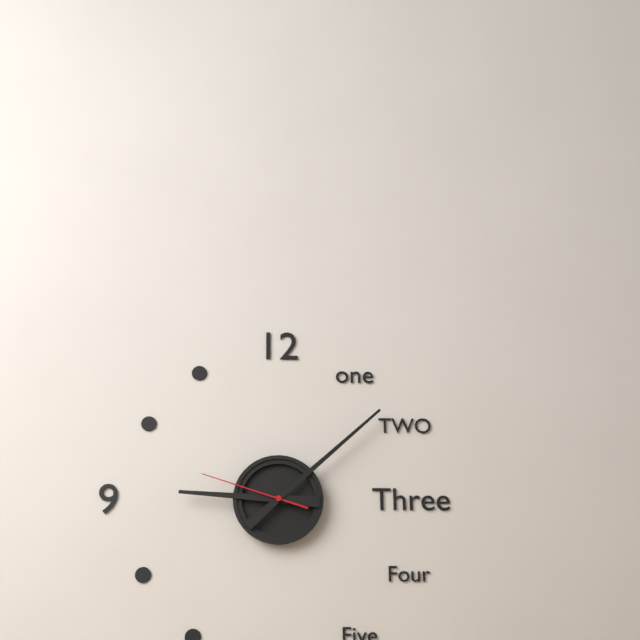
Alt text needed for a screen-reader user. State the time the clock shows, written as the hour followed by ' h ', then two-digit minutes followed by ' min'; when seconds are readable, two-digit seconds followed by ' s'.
9 h 08 min 48 s
